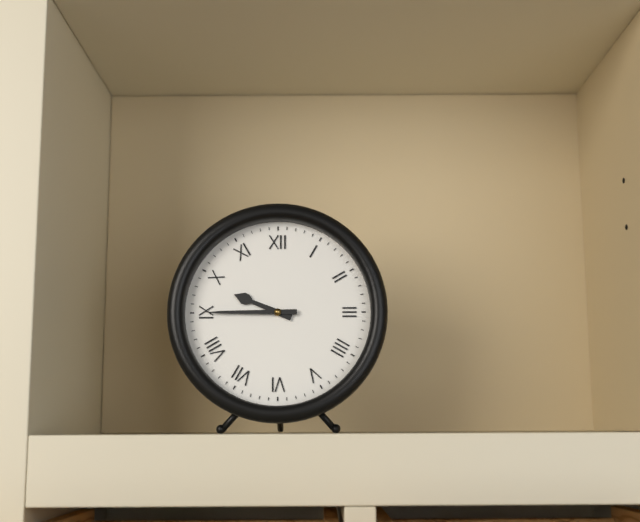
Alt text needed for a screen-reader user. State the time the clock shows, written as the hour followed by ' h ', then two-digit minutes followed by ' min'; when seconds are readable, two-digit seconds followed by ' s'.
9 h 45 min
